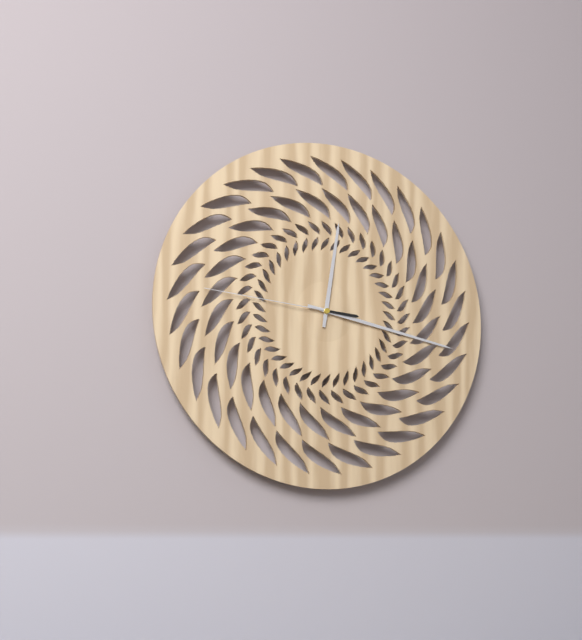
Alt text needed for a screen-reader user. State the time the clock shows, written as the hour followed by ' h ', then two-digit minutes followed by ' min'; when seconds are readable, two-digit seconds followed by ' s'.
12 h 17 min 46 s
